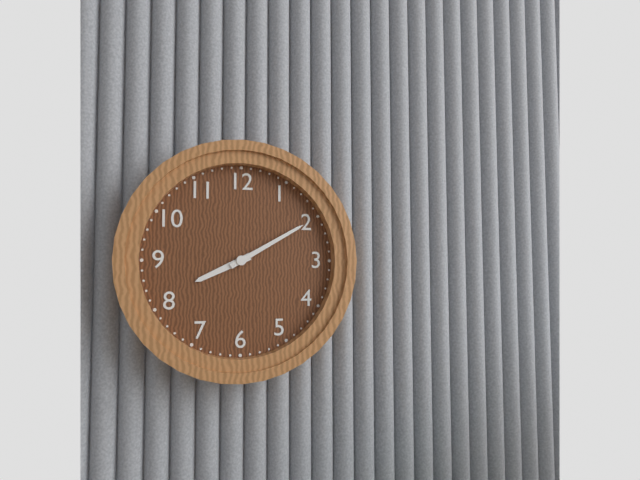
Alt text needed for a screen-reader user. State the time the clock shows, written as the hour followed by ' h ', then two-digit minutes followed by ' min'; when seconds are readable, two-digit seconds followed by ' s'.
8 h 10 min
